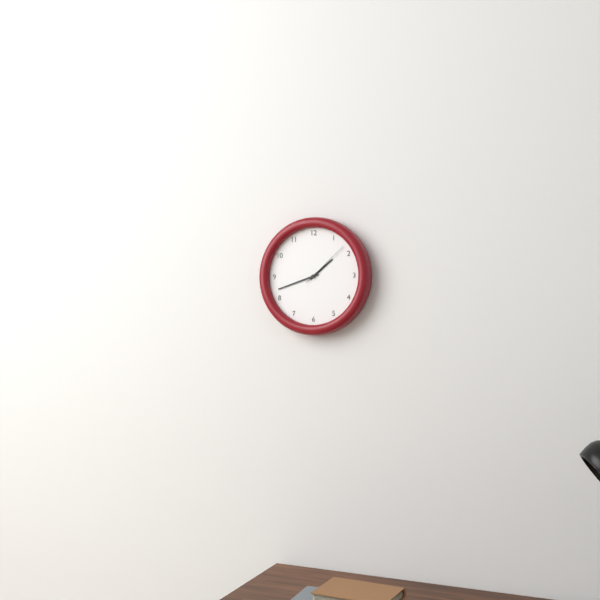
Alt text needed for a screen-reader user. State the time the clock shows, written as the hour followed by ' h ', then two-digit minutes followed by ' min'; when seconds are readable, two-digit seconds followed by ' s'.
1 h 42 min 08 s
